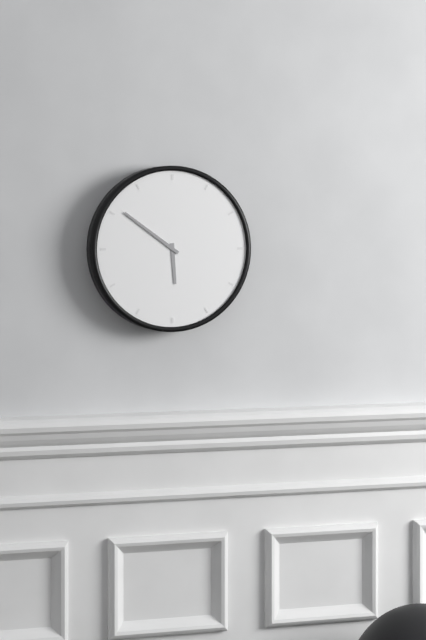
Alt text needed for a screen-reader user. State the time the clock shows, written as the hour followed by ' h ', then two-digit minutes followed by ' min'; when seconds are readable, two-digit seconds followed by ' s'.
5 h 51 min
